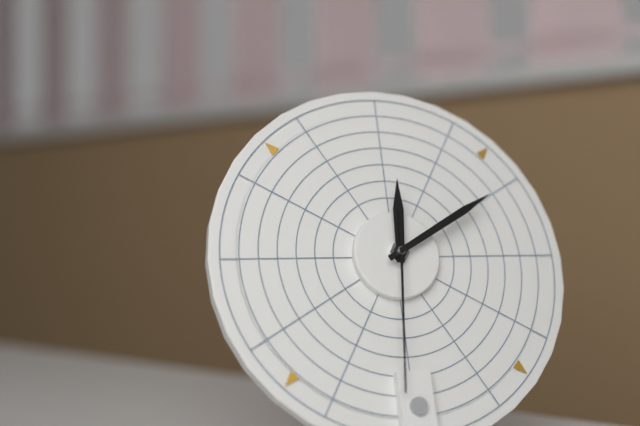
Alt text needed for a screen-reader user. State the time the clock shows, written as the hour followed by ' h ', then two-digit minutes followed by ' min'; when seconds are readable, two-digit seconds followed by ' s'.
12 h 10 min 31 s
